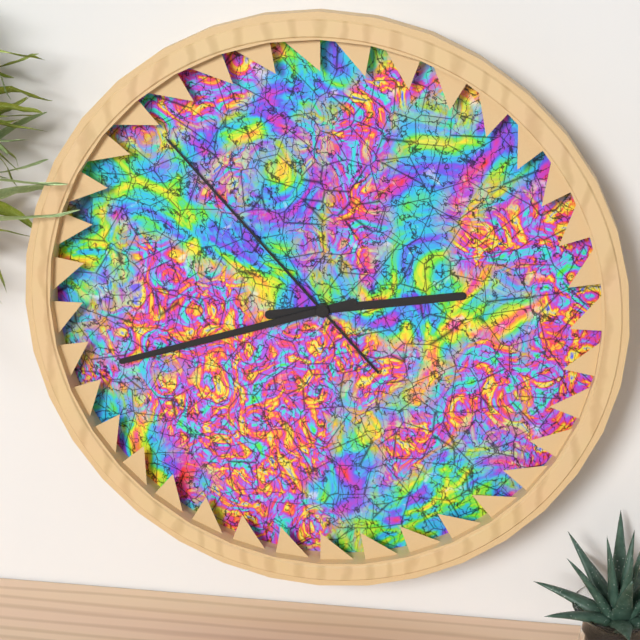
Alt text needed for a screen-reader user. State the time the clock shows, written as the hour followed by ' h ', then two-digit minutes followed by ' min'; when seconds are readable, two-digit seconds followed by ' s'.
2 h 42 min 53 s
